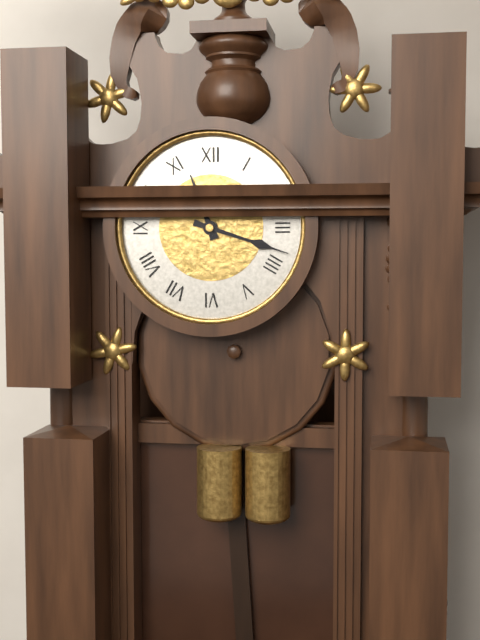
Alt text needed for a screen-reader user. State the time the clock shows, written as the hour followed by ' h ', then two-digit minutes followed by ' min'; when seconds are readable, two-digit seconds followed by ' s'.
11 h 18 min
